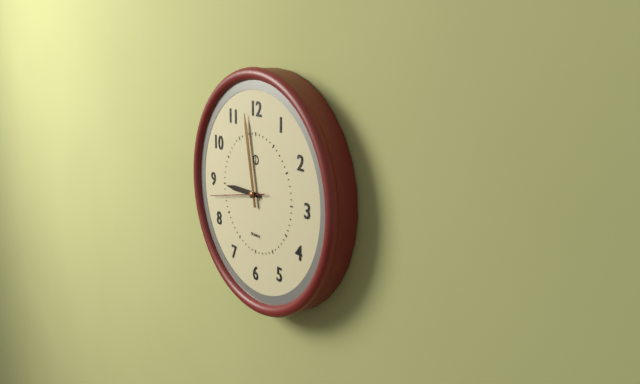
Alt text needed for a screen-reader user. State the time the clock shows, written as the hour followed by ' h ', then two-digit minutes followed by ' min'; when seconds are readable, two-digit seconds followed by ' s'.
8 h 58 min 43 s
